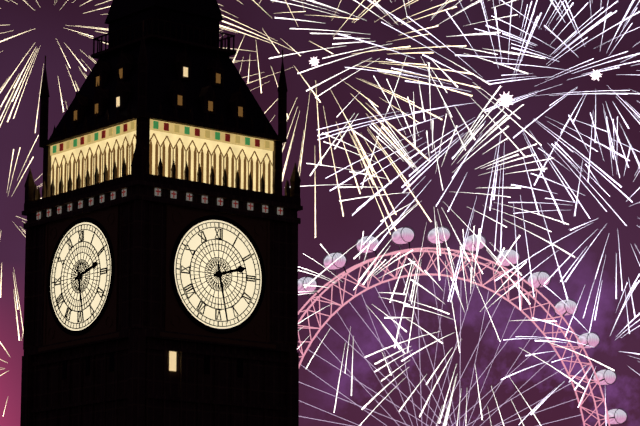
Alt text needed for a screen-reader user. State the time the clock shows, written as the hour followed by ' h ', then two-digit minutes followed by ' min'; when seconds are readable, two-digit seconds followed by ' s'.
2 h 28 min
